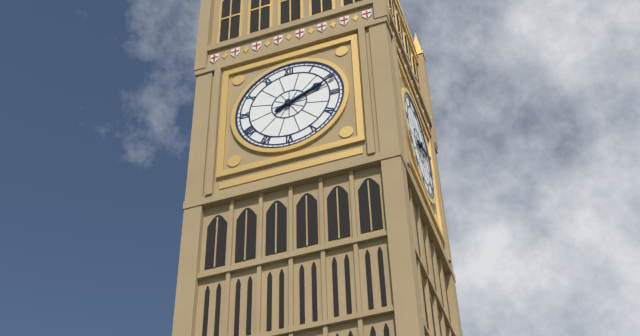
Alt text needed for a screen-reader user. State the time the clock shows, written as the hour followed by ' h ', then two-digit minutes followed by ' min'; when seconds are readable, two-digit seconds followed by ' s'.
2 h 11 min
